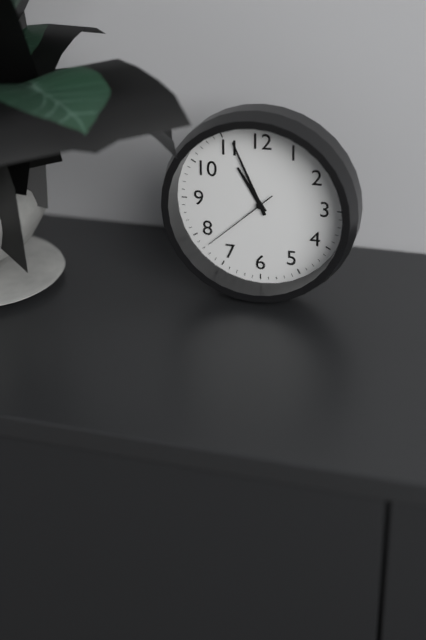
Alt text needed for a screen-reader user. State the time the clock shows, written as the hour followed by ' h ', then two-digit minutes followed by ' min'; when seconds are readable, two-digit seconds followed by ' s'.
10 h 56 min 38 s
